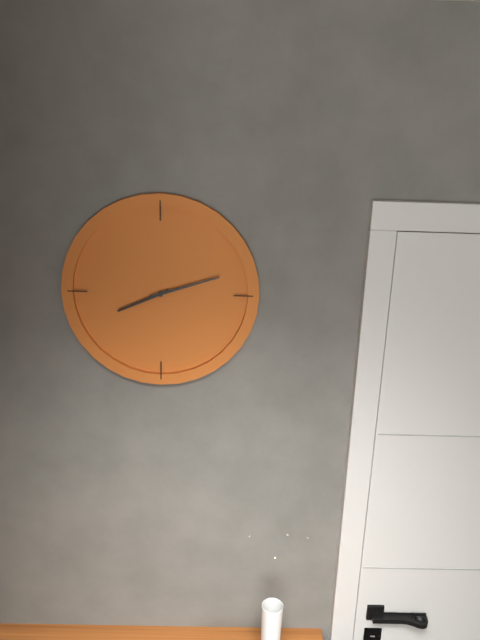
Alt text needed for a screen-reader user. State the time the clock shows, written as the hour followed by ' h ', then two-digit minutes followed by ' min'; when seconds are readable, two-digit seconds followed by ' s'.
8 h 12 min
